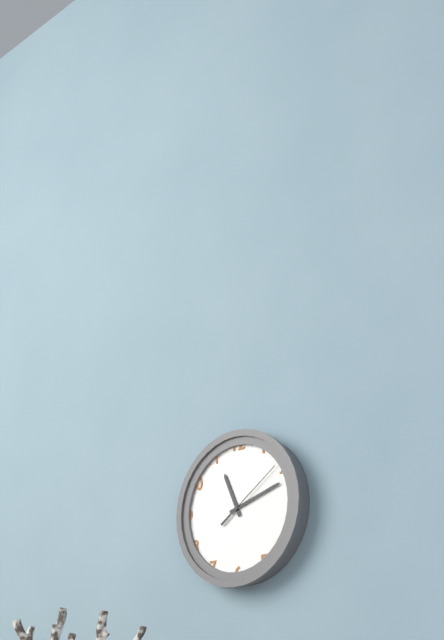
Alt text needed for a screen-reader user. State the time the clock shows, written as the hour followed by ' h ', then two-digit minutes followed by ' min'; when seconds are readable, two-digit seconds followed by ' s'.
11 h 12 min 09 s
